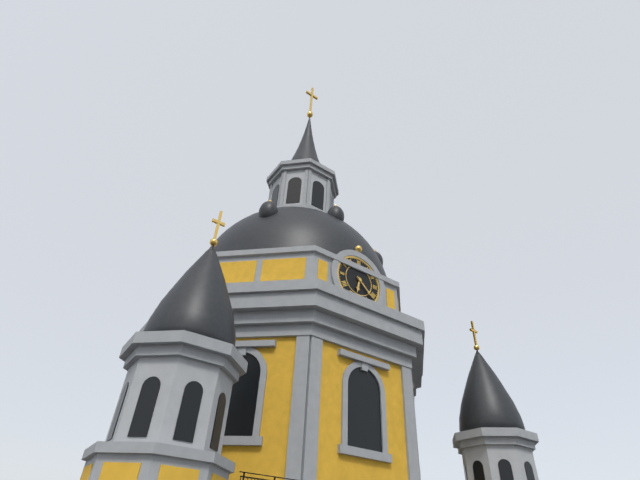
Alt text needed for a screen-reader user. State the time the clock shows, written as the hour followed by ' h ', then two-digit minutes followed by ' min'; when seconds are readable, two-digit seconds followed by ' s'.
6 h 22 min
